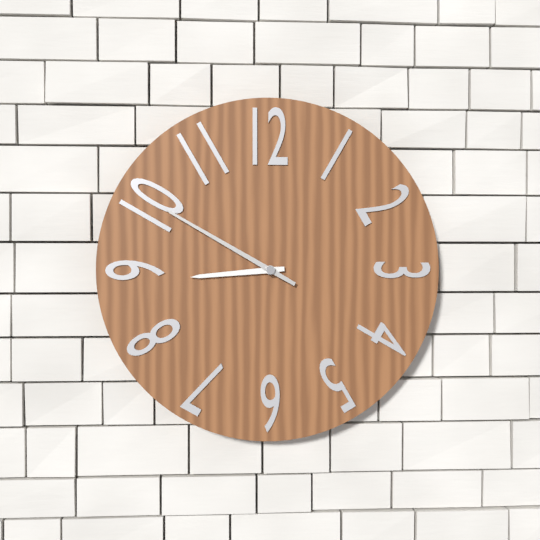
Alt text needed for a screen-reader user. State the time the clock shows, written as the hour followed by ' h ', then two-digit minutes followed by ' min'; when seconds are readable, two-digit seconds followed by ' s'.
8 h 50 min
